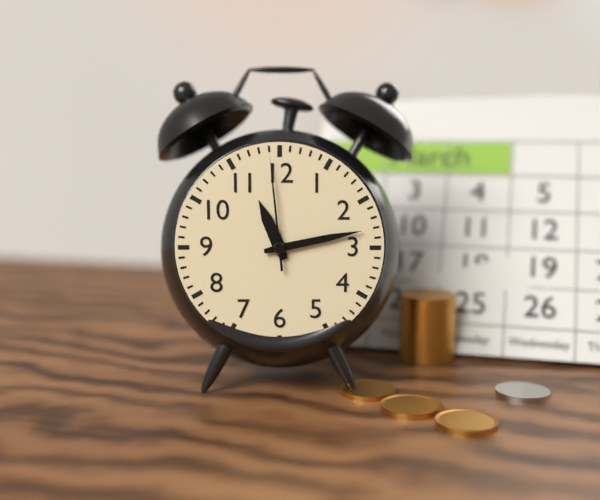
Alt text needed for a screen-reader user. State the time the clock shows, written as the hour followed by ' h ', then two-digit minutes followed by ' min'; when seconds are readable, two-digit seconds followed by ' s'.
11 h 13 min 59 s
